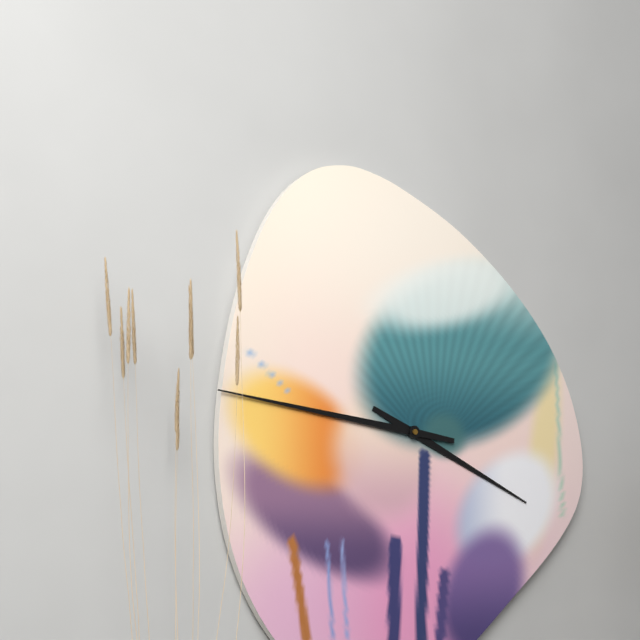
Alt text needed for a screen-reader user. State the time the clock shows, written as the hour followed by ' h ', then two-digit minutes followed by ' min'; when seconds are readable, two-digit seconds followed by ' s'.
3 h 46 min
